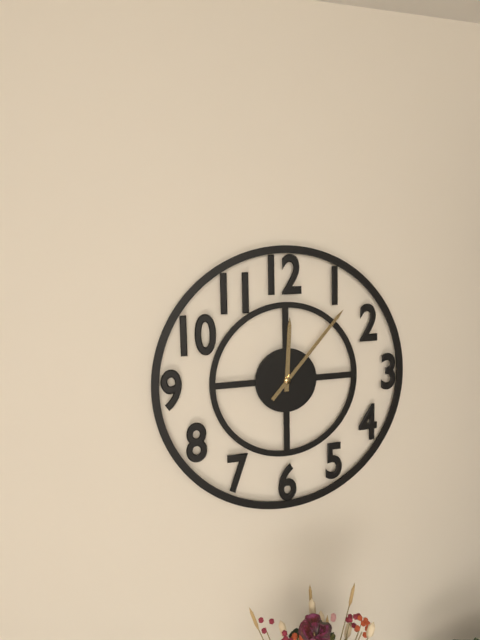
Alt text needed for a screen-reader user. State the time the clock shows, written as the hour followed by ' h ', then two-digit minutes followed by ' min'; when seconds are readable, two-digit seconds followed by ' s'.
12 h 07 min
